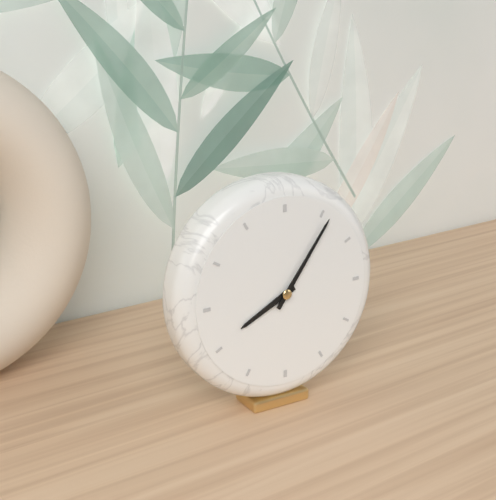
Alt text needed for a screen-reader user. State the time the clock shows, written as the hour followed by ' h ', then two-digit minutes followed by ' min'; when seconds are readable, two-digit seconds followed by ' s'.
8 h 06 min
